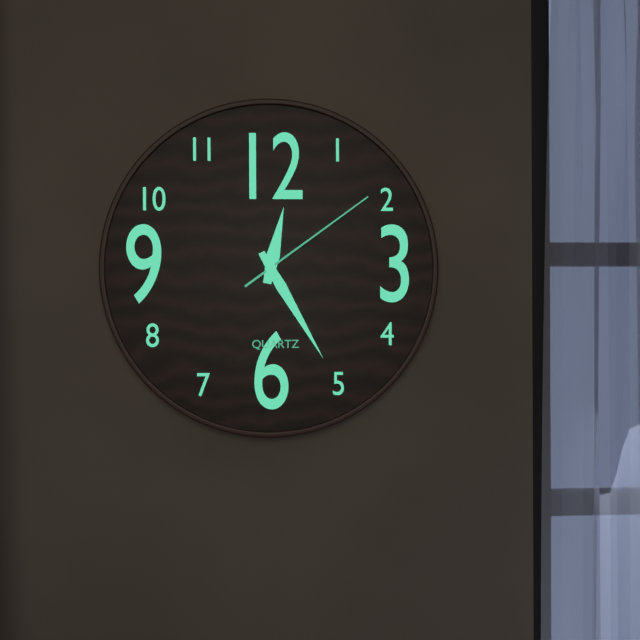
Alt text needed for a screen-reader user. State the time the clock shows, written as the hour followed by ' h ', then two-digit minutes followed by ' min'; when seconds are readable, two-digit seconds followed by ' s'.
12 h 25 min 09 s
